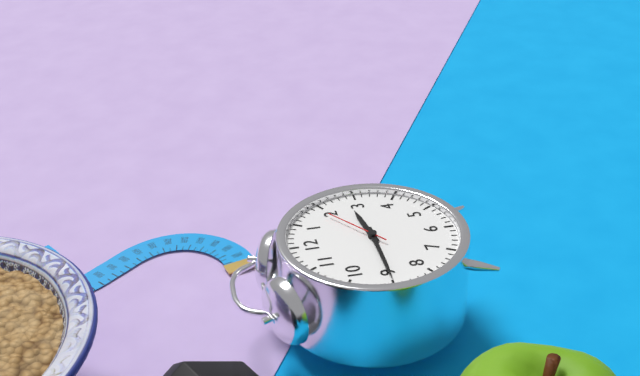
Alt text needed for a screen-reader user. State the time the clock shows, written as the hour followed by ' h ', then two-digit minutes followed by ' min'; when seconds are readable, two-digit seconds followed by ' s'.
2 h 45 min 09 s
